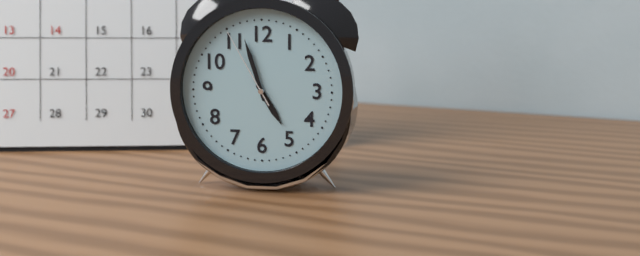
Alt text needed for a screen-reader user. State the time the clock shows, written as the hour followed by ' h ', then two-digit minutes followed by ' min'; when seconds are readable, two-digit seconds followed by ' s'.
4 h 57 min 55 s
